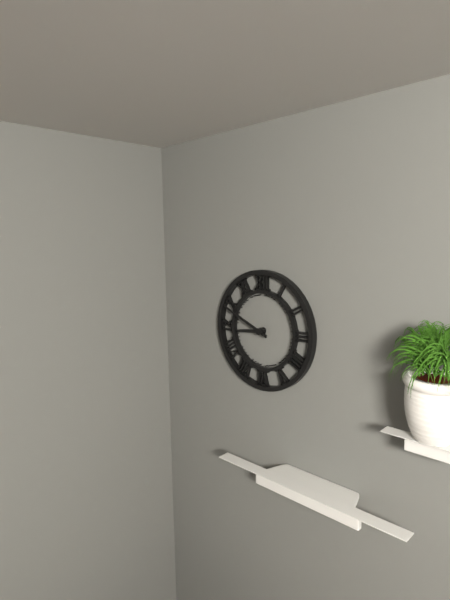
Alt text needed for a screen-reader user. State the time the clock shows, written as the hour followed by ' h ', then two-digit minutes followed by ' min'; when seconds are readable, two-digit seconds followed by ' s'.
8 h 49 min
